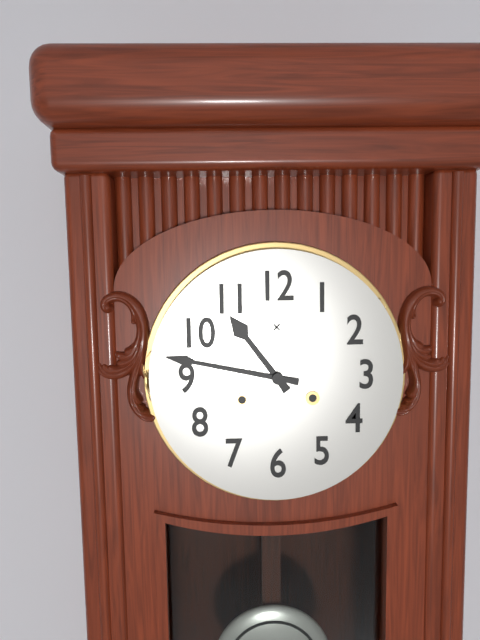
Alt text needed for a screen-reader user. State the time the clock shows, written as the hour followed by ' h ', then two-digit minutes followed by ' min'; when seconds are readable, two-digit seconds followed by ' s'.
10 h 47 min
